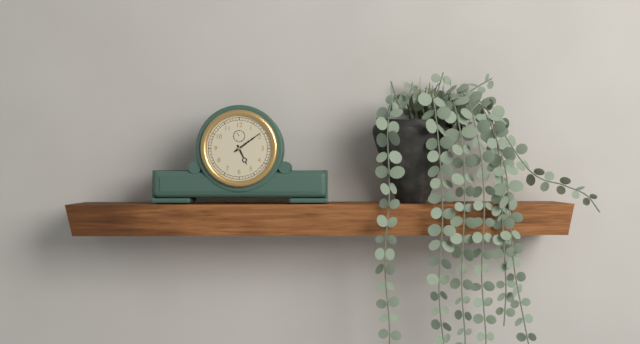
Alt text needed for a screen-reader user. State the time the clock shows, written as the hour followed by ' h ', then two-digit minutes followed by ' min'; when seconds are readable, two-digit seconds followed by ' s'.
5 h 09 min
